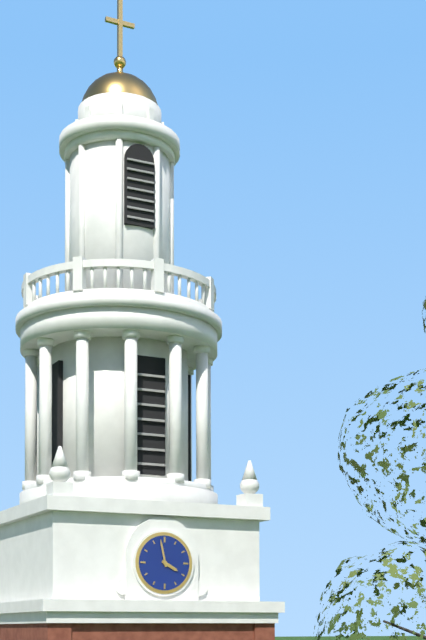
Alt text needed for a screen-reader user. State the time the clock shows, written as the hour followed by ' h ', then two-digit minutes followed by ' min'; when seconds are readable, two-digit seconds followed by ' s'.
3 h 58 min
